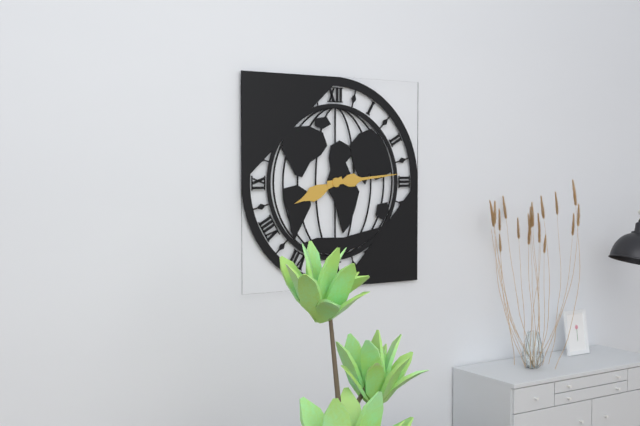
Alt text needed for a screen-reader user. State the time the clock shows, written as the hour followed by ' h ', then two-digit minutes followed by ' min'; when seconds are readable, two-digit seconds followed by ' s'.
8 h 14 min
